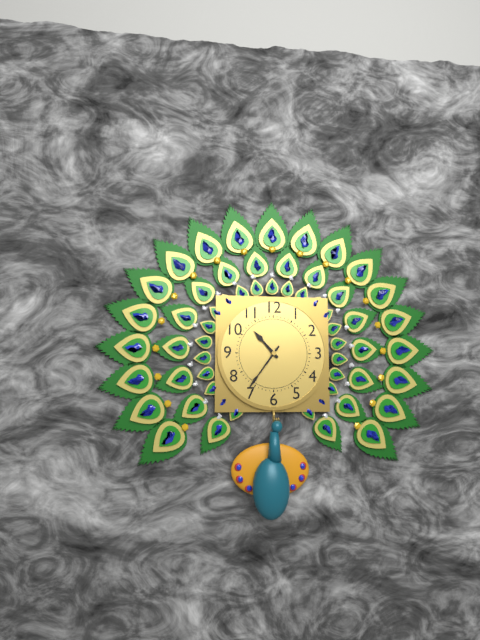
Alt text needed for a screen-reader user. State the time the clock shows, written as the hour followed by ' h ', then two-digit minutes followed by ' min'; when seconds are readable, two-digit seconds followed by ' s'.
10 h 36 min
